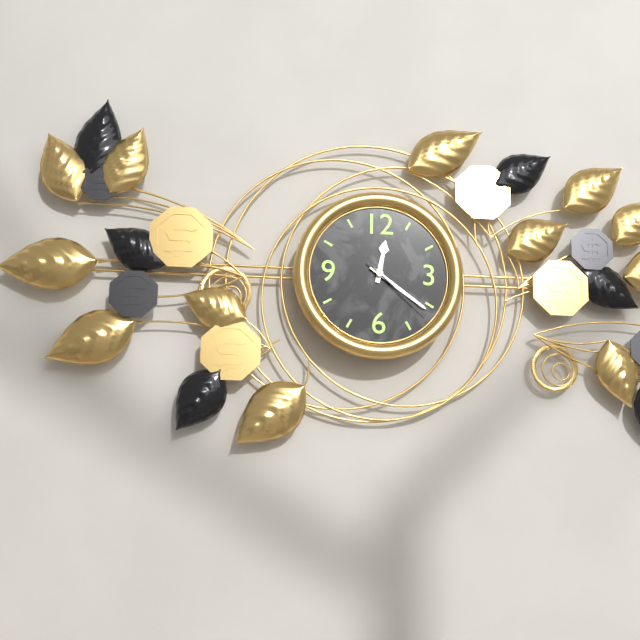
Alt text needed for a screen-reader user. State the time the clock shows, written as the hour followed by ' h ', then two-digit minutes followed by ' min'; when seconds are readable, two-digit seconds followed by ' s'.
12 h 21 min 22 s
